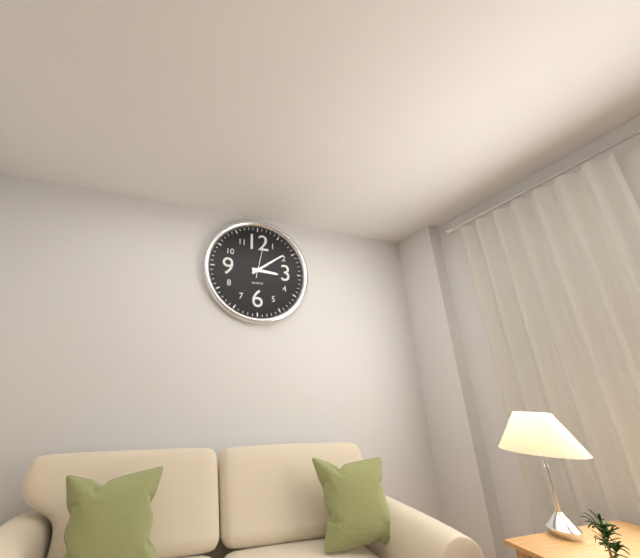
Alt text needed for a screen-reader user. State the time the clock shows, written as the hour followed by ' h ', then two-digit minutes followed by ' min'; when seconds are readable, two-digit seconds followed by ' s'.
3 h 09 min
